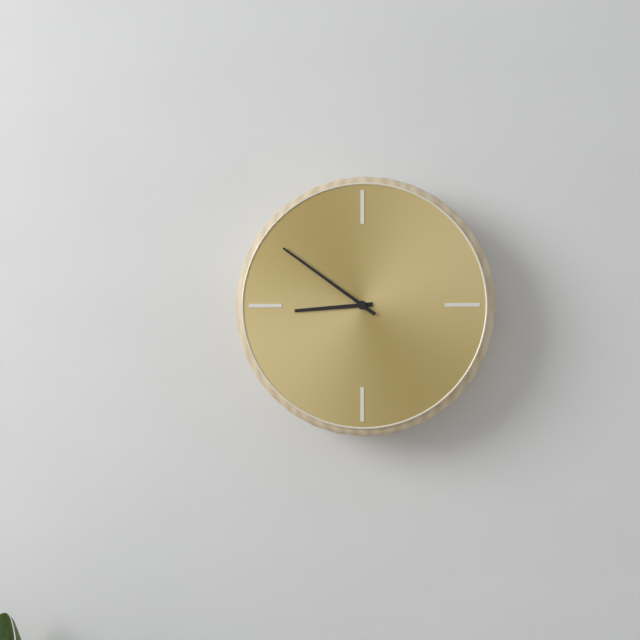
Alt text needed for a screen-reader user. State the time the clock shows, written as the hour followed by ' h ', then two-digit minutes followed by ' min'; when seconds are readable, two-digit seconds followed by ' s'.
8 h 51 min
